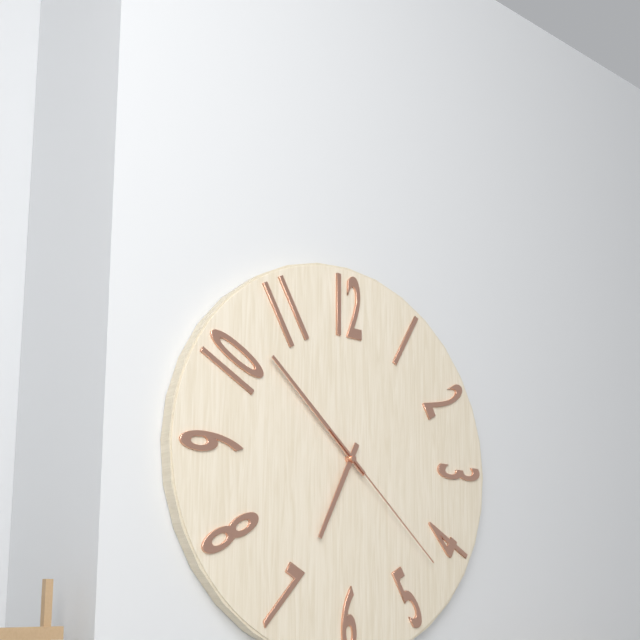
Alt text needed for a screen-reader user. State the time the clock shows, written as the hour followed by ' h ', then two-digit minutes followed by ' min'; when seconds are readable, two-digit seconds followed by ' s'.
6 h 52 min 22 s
